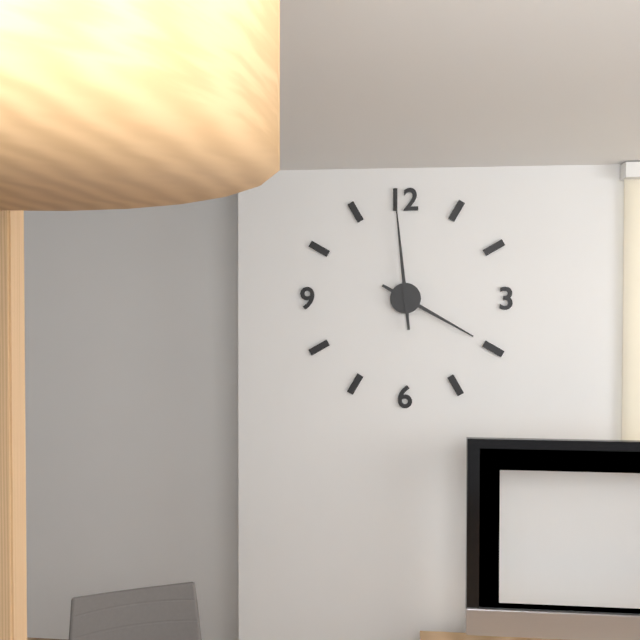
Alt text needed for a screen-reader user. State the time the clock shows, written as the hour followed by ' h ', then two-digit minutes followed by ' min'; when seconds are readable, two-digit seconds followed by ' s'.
3 h 59 min
